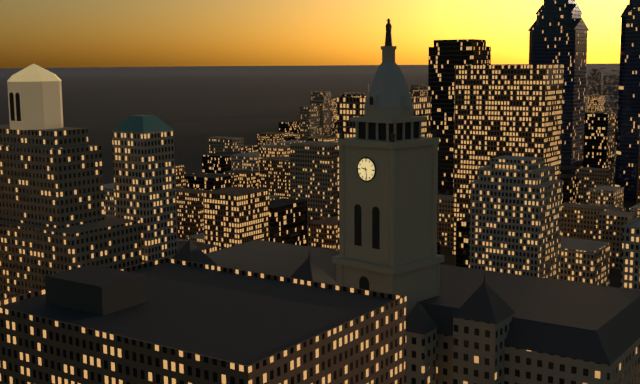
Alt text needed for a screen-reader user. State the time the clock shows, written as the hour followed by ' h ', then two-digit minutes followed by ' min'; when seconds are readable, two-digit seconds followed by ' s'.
9 h 28 min
